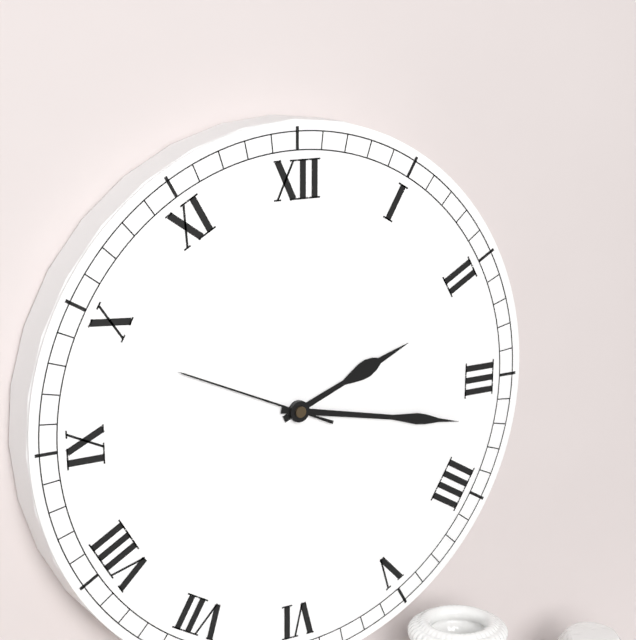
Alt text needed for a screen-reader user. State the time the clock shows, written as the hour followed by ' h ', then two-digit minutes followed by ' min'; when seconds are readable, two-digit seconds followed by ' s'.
2 h 17 min 49 s
